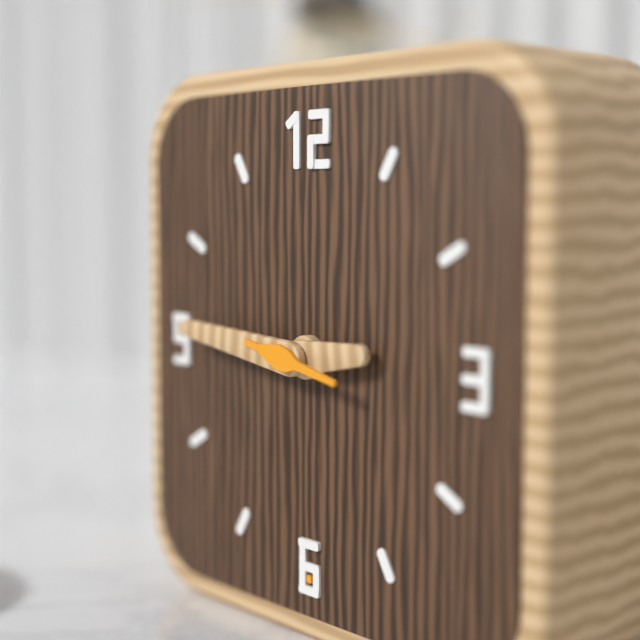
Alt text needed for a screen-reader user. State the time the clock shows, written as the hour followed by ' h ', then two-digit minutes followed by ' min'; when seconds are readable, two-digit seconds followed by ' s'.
2 h 46 min 17 s
